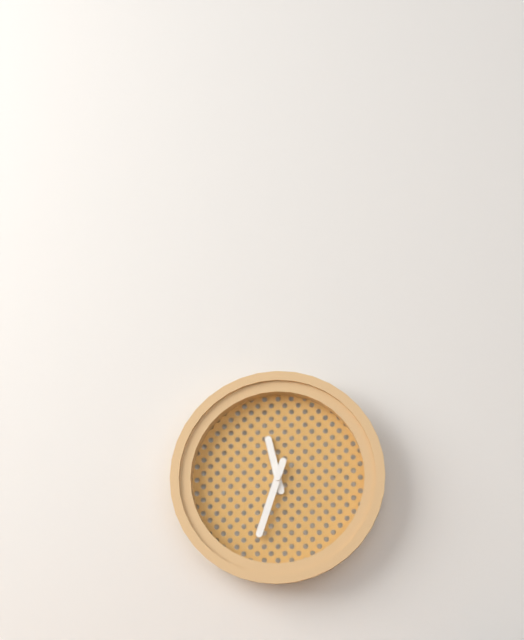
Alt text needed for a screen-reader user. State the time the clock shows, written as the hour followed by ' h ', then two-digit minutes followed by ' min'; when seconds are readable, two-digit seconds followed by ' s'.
11 h 33 min
